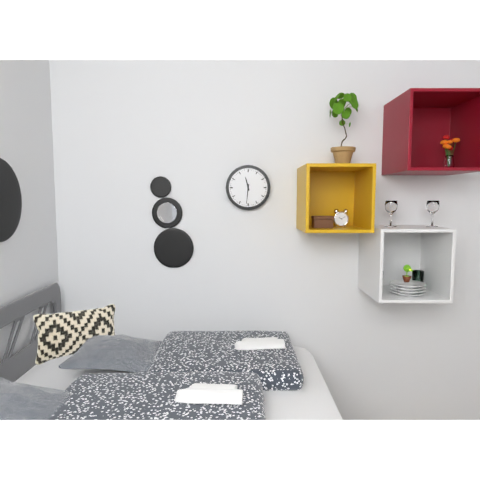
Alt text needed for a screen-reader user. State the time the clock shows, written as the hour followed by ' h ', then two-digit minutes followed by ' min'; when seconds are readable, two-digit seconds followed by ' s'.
11 h 31 min
